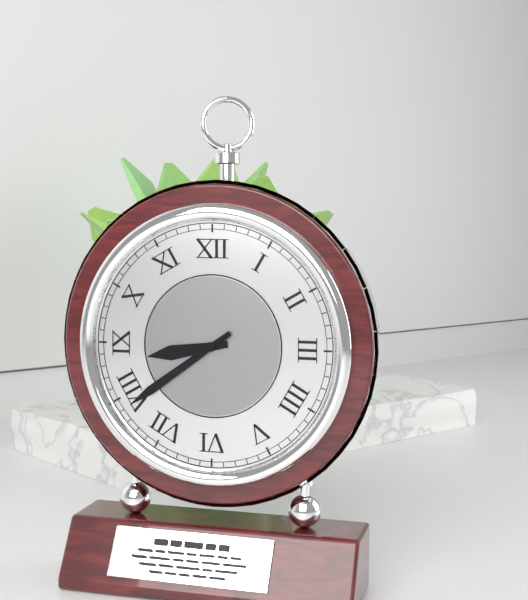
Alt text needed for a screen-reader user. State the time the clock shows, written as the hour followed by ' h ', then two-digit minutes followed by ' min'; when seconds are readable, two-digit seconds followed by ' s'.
8 h 39 min
